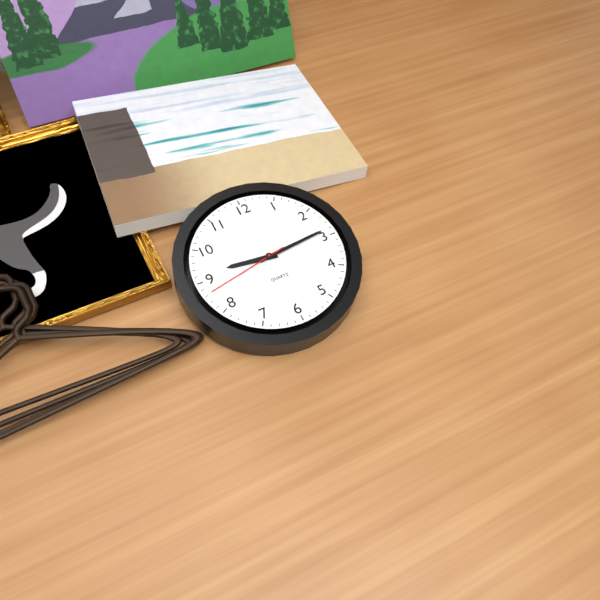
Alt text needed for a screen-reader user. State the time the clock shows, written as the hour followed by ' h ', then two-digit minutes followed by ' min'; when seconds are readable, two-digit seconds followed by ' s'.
9 h 14 min 43 s
